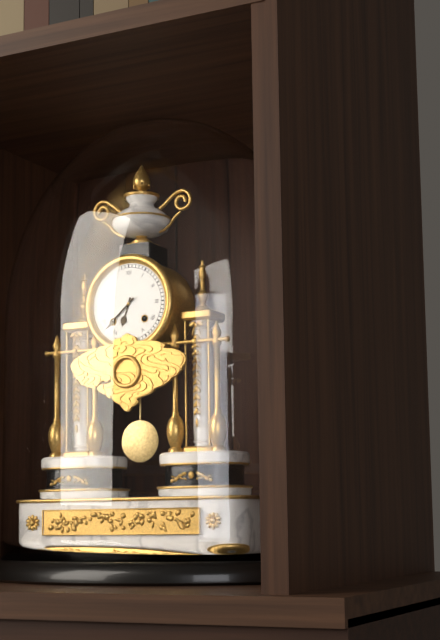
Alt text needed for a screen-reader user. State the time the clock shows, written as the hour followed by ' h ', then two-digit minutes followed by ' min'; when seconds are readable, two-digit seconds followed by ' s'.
6 h 38 min
